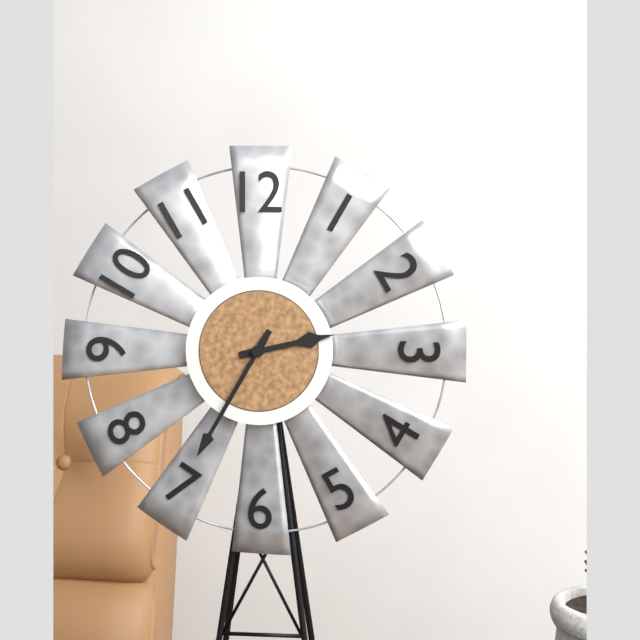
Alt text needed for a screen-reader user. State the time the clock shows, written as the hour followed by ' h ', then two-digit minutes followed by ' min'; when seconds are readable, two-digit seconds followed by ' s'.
2 h 35 min
